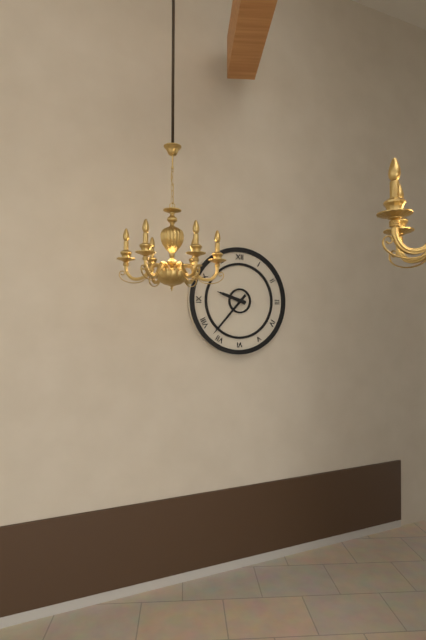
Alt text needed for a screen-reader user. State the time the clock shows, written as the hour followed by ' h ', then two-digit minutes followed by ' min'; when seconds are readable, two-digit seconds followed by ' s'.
9 h 37 min
